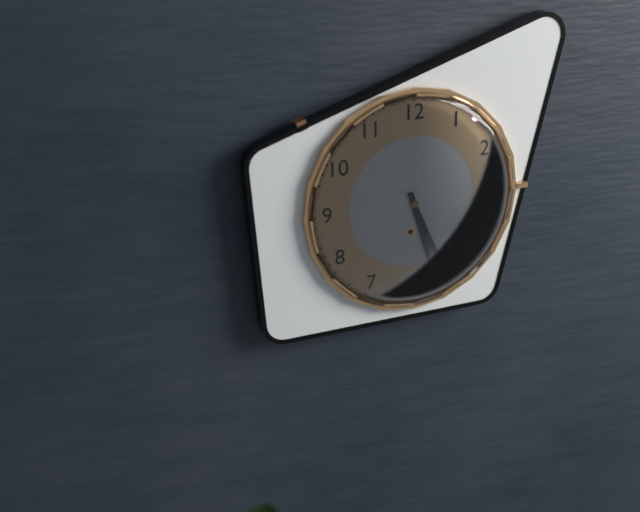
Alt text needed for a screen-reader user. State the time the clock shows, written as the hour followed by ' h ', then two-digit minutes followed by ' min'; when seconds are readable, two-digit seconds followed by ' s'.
5 h 26 min
